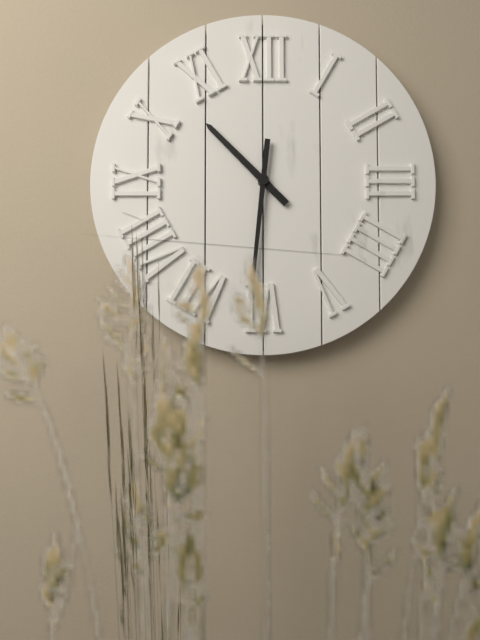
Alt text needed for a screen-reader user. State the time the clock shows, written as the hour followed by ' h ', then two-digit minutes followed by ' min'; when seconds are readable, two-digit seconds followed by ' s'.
10 h 31 min
